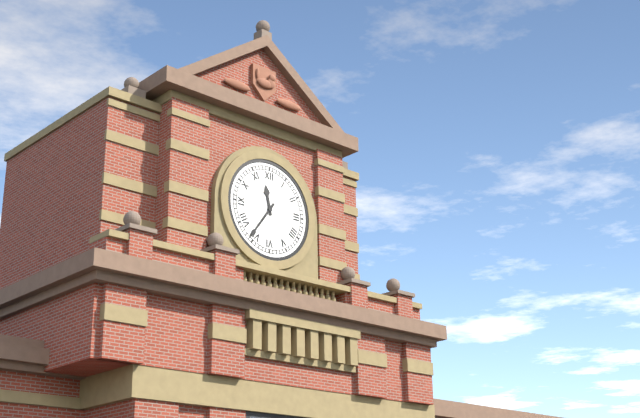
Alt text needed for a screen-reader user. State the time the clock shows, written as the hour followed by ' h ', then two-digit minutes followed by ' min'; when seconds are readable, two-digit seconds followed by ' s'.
11 h 36 min
